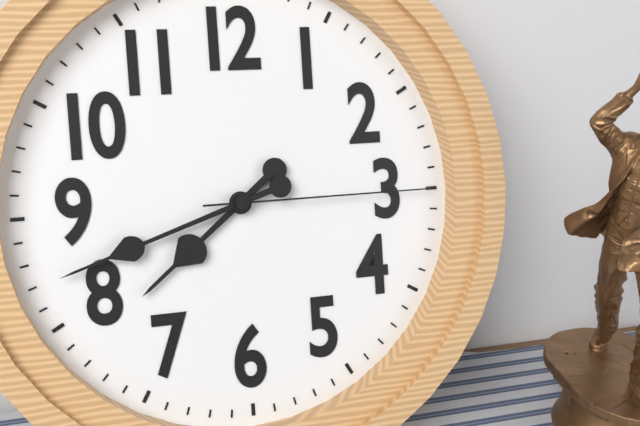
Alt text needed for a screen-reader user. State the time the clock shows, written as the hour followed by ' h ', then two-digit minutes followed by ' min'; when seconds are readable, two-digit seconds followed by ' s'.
7 h 42 min 15 s
